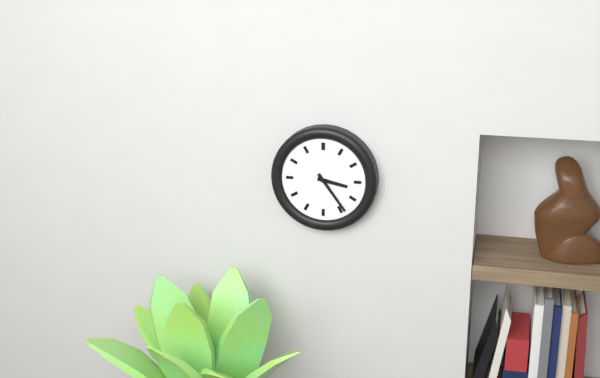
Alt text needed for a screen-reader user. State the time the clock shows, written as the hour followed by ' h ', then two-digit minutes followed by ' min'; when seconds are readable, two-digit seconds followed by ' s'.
3 h 24 min
